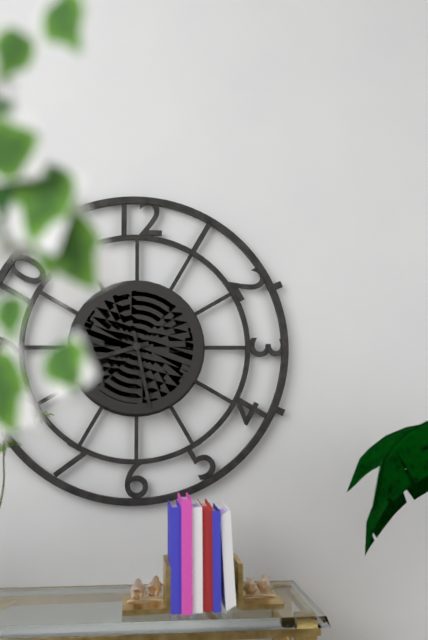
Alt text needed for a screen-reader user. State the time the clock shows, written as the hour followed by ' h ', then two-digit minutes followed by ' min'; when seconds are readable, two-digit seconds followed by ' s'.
8 h 28 min
